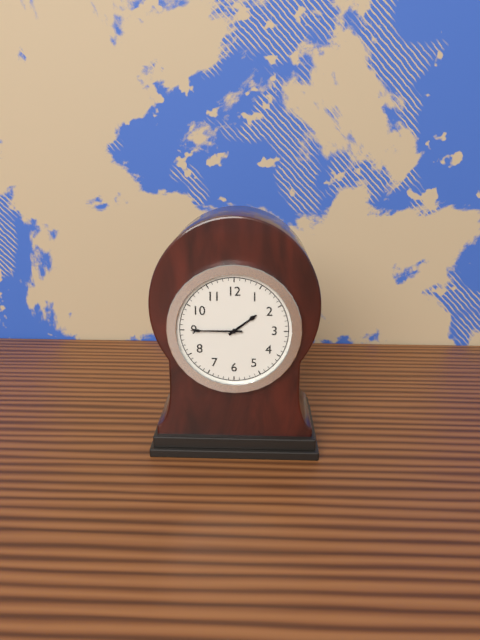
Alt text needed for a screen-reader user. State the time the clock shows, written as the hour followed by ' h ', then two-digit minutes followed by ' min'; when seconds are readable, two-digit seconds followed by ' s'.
1 h 45 min
